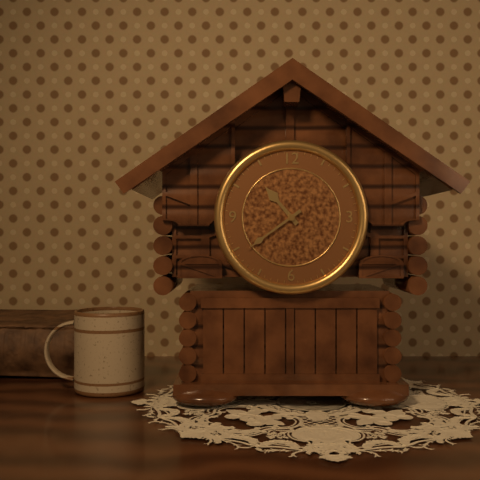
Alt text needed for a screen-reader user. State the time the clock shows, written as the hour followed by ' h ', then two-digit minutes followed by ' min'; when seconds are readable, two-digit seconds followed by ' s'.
10 h 39 min
